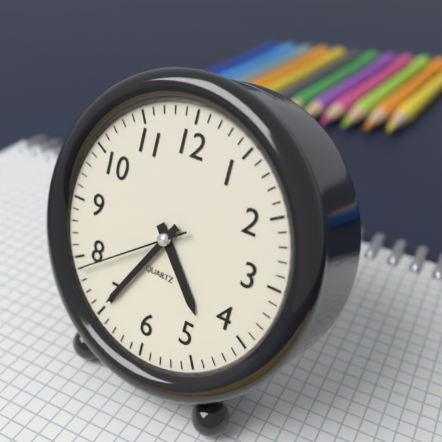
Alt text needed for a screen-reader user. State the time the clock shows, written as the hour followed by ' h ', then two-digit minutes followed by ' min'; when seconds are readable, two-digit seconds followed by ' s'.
4 h 35 min 39 s
